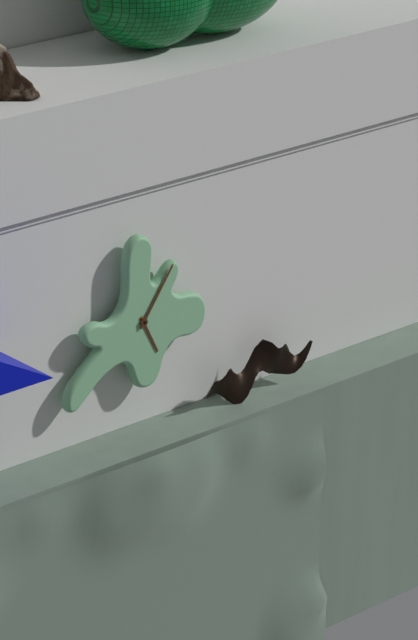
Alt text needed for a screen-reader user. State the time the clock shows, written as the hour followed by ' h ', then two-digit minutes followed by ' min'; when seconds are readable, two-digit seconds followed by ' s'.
5 h 06 min
